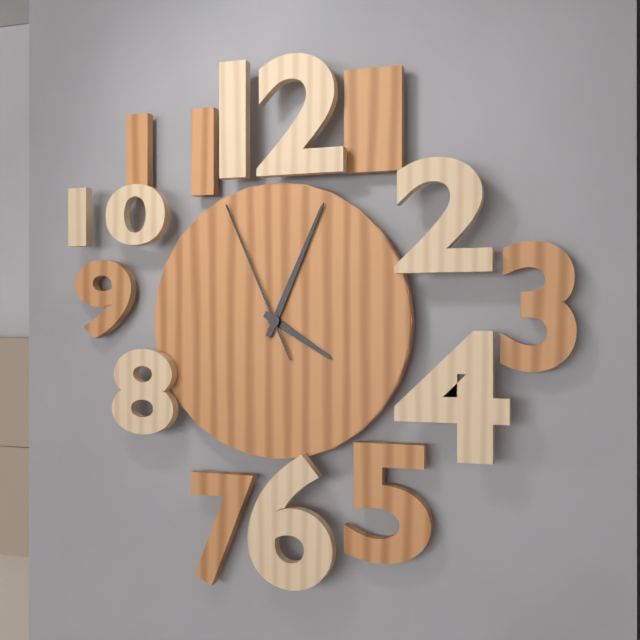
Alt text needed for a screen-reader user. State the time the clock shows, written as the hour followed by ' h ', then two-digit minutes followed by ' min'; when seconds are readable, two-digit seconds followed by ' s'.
4 h 04 min 56 s
